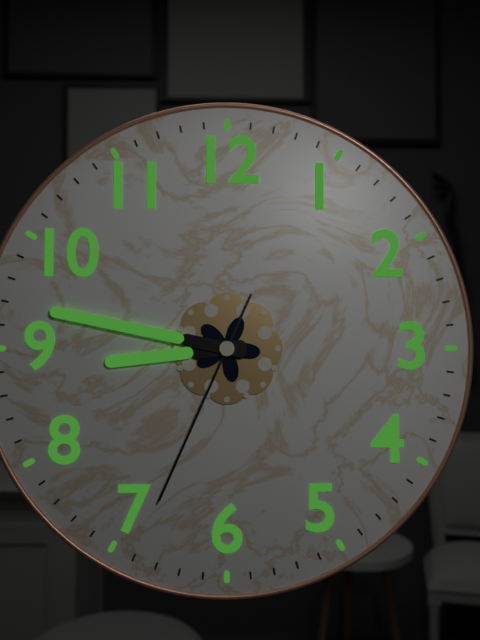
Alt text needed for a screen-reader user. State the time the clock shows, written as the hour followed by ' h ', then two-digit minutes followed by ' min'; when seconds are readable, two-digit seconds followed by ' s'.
8 h 47 min 34 s
